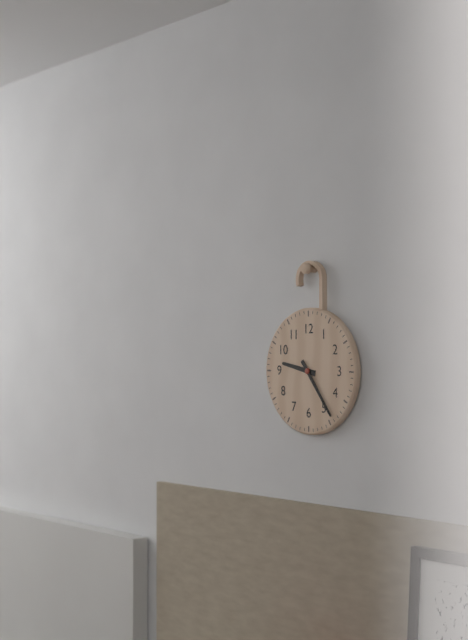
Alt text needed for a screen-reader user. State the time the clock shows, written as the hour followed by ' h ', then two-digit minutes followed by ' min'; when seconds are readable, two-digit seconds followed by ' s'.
9 h 24 min
